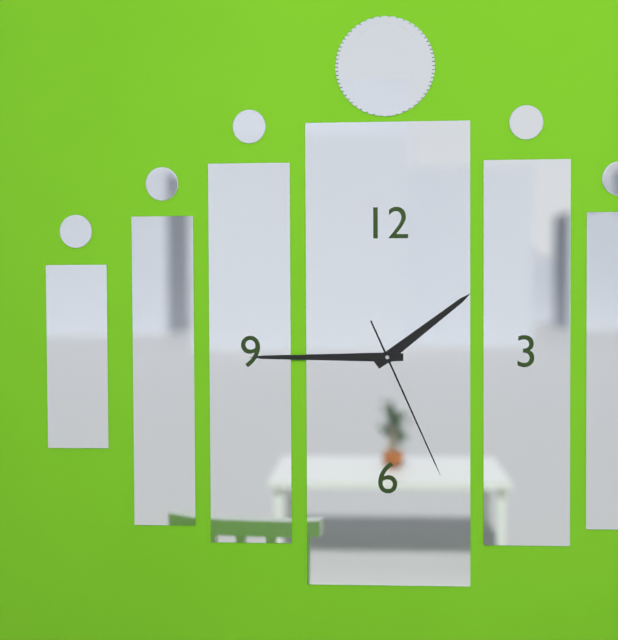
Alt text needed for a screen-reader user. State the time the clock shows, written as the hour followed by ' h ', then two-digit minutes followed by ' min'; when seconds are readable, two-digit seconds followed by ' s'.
1 h 45 min 26 s
